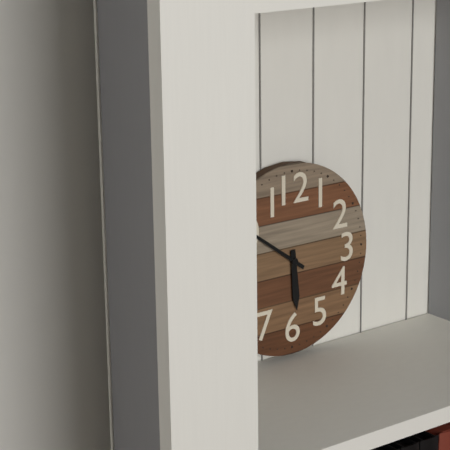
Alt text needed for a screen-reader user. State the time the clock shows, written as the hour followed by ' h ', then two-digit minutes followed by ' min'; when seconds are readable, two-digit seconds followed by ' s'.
5 h 51 min
